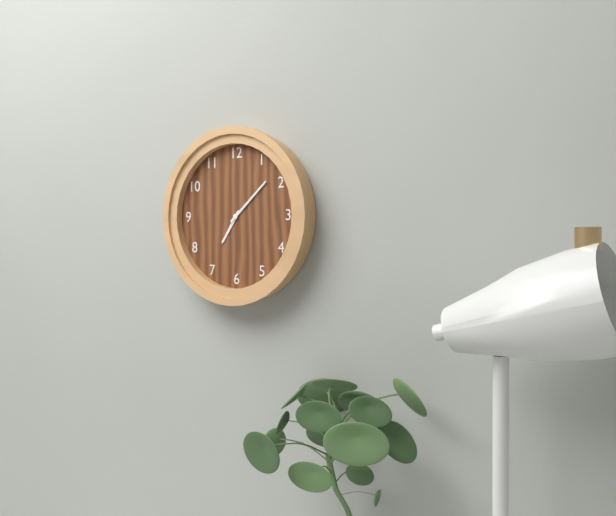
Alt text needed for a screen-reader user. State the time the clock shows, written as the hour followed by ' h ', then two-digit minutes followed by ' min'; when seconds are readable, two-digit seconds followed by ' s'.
7 h 08 min
